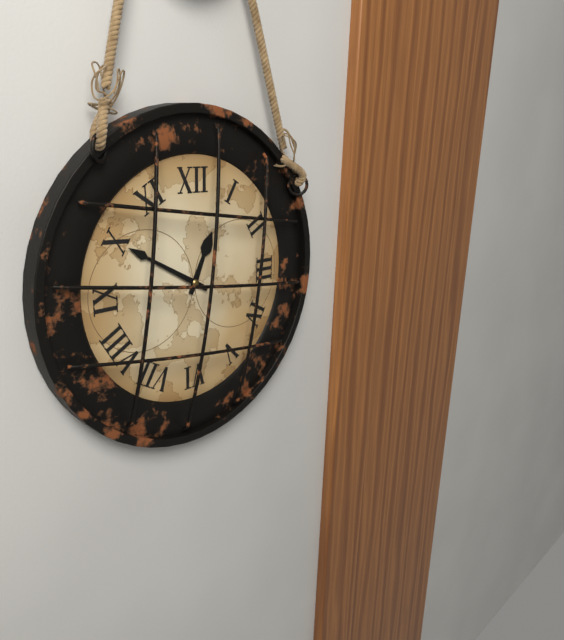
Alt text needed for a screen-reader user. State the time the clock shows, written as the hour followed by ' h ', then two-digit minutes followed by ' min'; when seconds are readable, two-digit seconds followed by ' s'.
12 h 50 min
